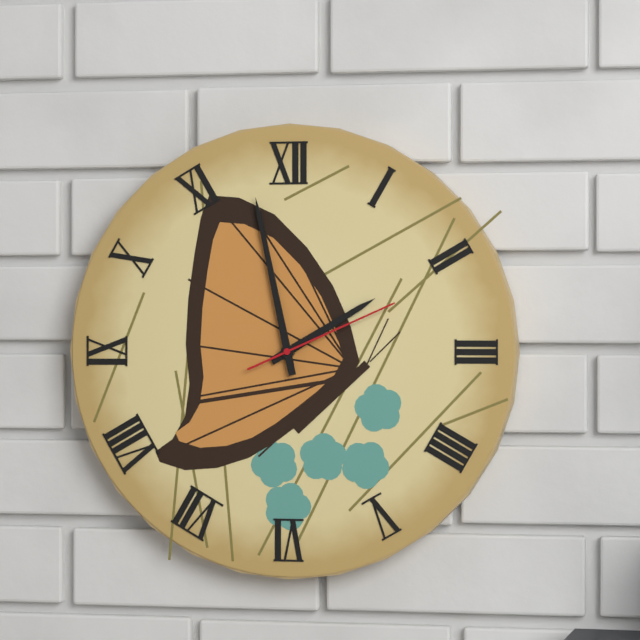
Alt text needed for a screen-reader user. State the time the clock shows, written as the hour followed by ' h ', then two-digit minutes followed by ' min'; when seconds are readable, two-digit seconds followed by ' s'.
1 h 58 min 11 s
